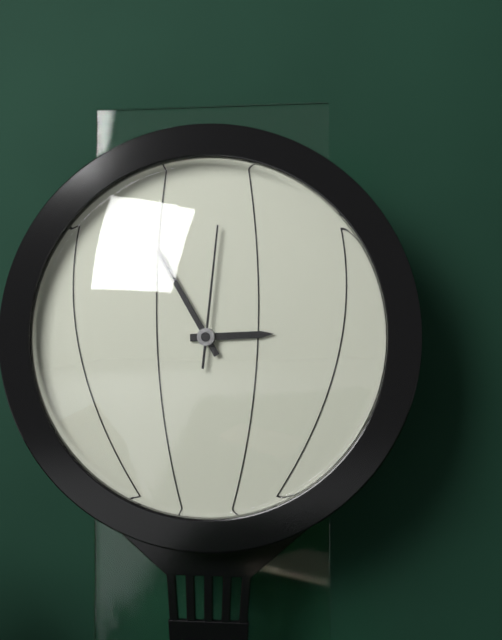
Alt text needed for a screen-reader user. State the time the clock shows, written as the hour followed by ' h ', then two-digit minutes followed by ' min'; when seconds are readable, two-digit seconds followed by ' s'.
2 h 55 min 01 s
